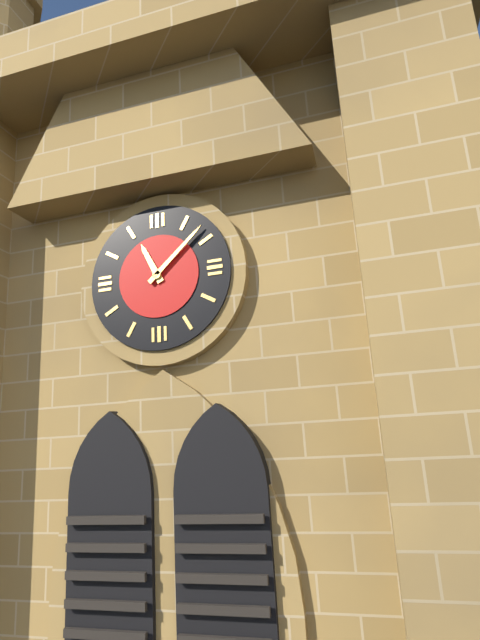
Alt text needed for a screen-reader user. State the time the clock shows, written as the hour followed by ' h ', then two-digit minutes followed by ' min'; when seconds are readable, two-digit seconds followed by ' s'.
11 h 08 min
